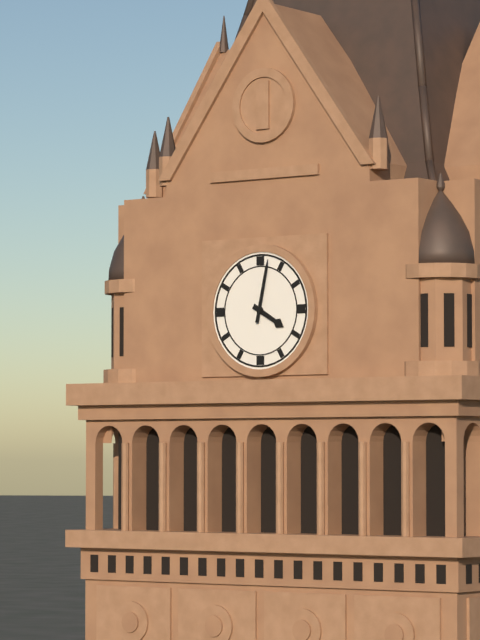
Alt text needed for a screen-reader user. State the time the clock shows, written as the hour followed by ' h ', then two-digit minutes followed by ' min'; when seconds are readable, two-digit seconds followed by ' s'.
4 h 02 min
